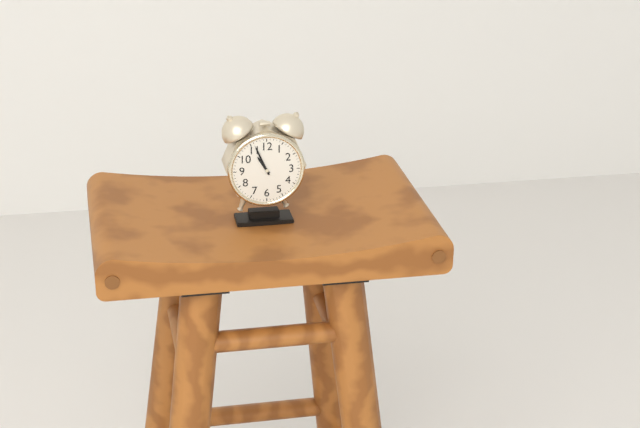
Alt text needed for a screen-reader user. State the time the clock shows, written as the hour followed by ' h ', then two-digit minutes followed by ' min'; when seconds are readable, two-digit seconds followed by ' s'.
10 h 56 min
